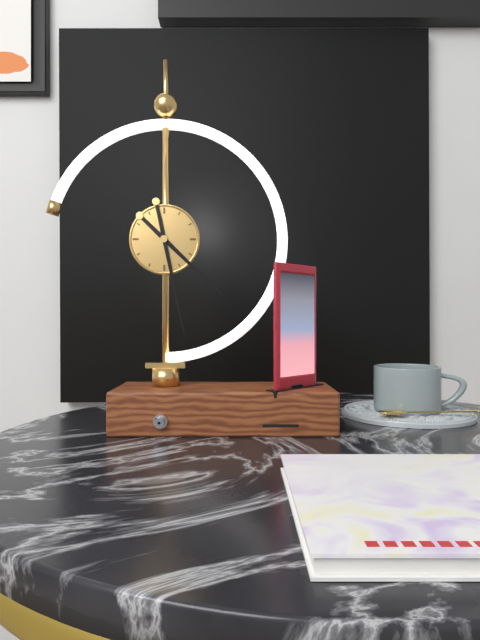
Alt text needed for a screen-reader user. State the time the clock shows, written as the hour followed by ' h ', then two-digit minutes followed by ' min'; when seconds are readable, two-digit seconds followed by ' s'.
4 h 28 min
